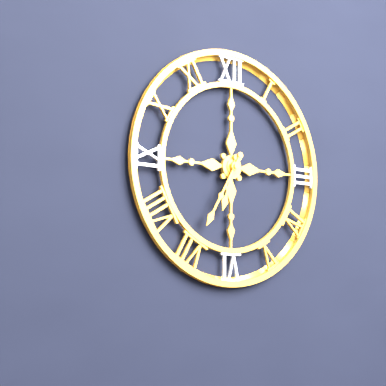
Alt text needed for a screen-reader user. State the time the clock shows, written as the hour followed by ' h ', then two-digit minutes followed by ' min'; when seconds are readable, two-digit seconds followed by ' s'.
6 h 35 min
